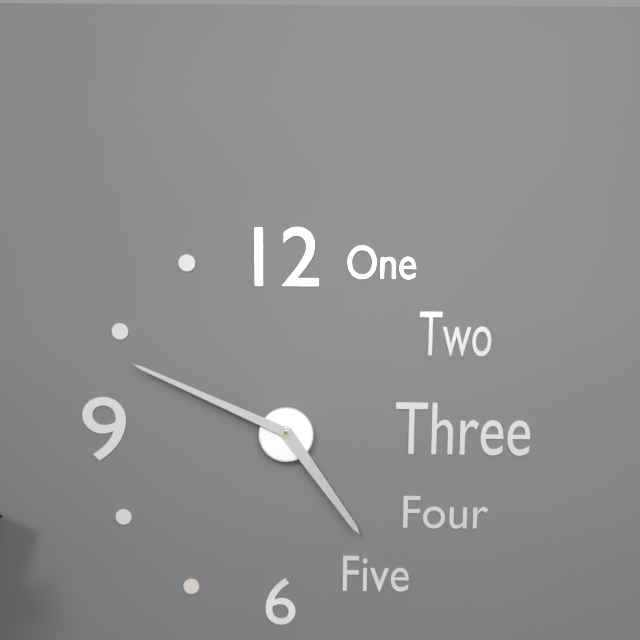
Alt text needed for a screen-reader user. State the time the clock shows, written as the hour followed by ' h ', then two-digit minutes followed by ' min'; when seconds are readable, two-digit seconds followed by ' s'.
4 h 49 min
